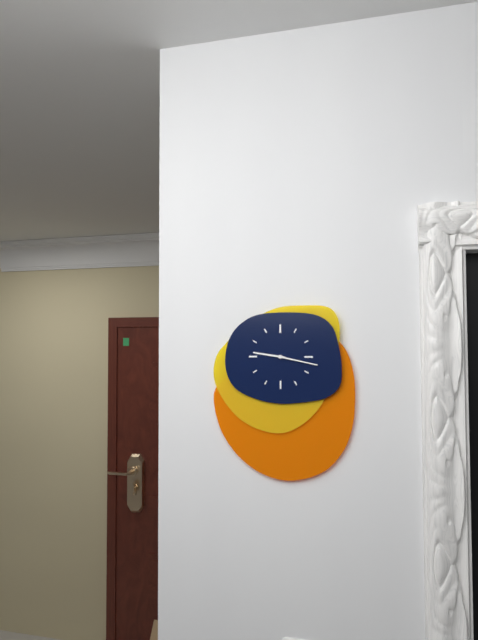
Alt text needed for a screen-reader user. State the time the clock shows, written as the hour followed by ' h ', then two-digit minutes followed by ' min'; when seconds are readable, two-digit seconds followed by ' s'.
9 h 17 min
